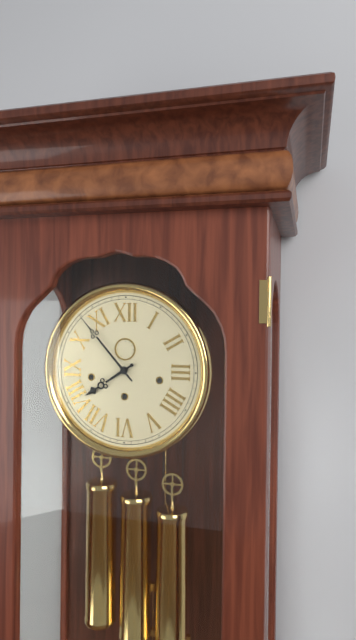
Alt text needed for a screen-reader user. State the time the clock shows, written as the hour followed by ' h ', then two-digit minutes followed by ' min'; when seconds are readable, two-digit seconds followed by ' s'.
7 h 53 min
